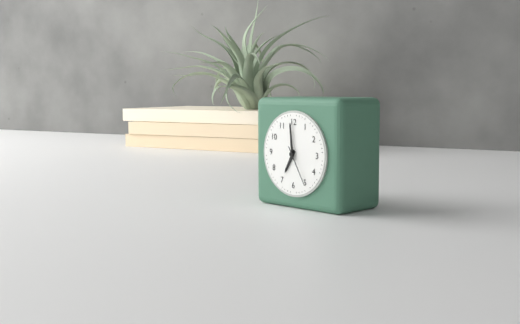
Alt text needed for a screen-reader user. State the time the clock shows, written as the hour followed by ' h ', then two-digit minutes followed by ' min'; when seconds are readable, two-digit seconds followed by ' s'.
6 h 59 min
